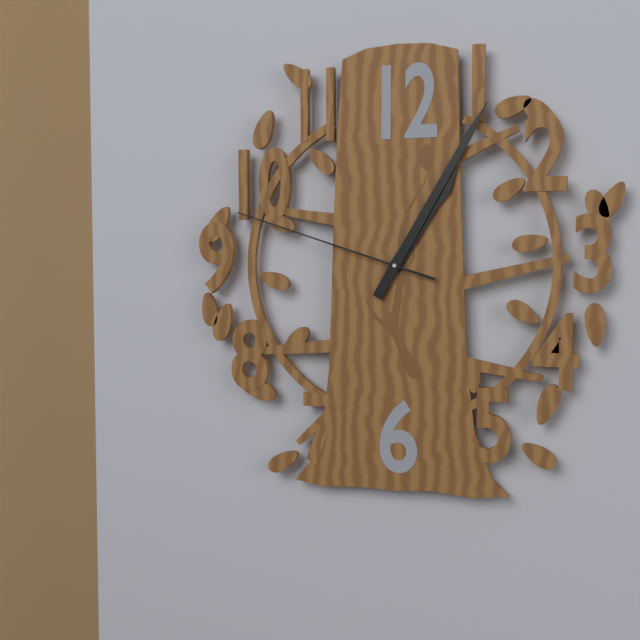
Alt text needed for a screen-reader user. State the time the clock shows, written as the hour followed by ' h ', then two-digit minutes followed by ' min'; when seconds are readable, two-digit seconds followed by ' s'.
1 h 05 min 48 s
